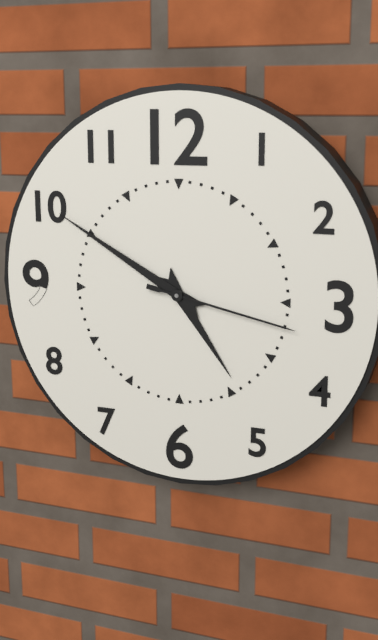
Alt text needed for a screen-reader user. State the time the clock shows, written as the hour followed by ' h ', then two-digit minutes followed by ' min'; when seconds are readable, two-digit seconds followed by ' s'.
4 h 50 min 17 s
